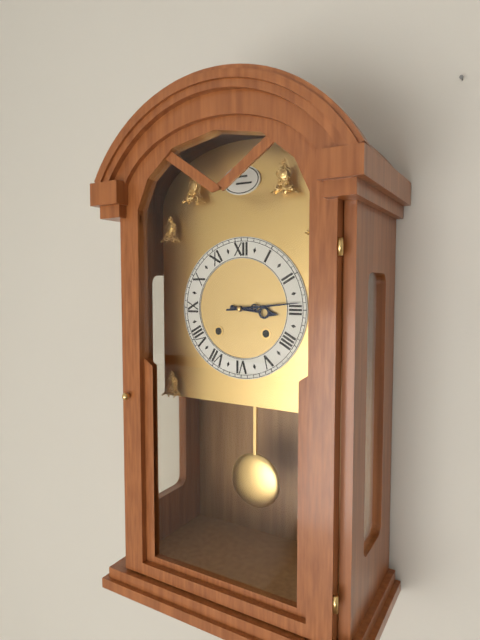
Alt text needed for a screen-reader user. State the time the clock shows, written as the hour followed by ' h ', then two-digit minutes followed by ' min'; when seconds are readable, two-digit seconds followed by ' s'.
3 h 14 min
